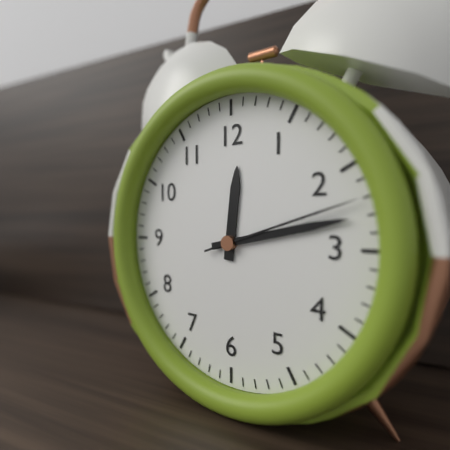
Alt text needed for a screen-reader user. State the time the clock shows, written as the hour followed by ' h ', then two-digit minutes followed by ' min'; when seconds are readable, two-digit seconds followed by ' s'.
12 h 13 min 12 s
